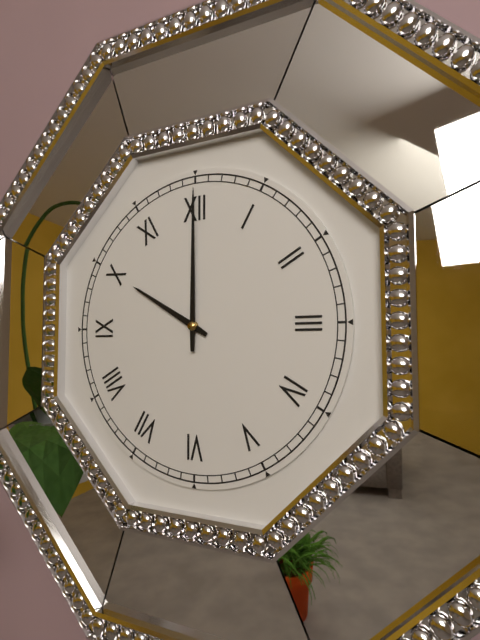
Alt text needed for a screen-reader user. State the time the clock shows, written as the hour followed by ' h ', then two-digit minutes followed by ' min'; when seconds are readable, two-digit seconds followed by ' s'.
10 h 00 min
